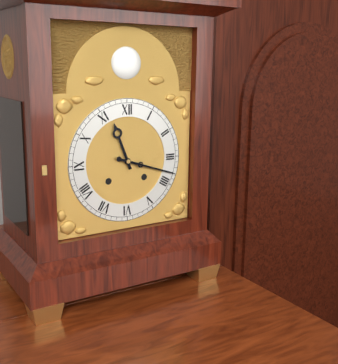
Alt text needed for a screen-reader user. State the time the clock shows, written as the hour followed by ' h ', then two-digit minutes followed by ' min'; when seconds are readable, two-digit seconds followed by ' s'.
11 h 18 min
